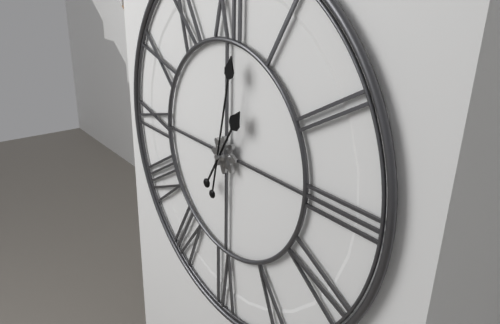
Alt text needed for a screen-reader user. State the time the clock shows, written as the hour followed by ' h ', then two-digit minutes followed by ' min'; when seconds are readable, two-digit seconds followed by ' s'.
1 h 02 min
